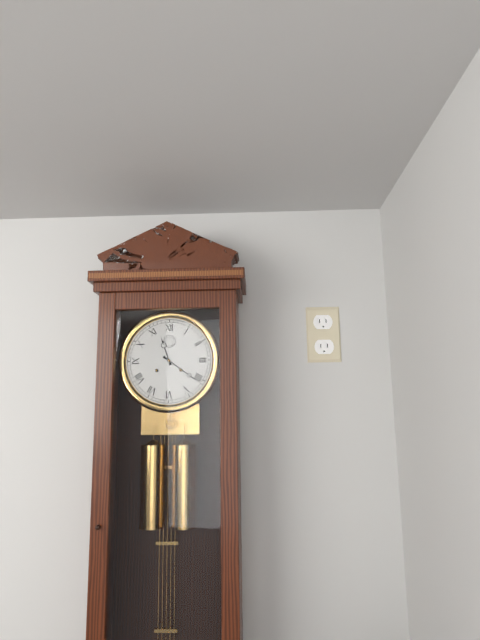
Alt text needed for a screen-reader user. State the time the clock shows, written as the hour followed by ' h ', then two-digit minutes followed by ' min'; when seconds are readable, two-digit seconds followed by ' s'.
11 h 21 min
